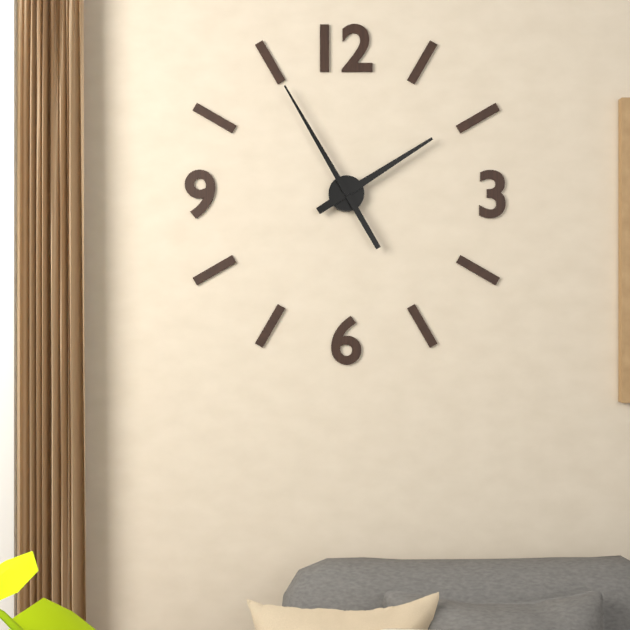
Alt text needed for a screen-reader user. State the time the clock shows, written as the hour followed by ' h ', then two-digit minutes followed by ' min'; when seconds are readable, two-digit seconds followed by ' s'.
1 h 55 min
